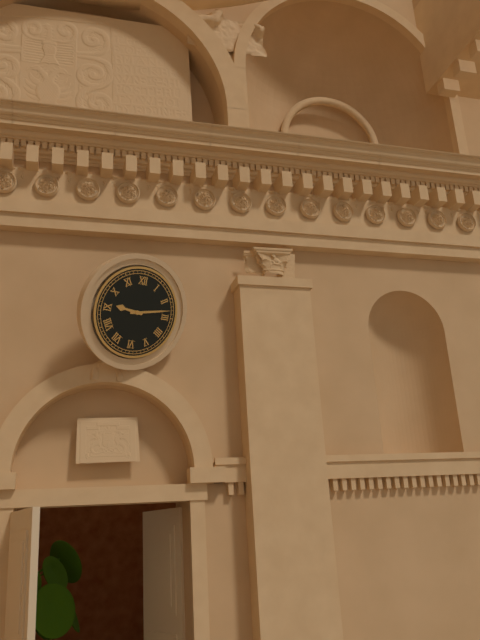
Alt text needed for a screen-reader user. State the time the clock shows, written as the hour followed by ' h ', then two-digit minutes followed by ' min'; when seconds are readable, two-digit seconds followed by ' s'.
9 h 13 min
